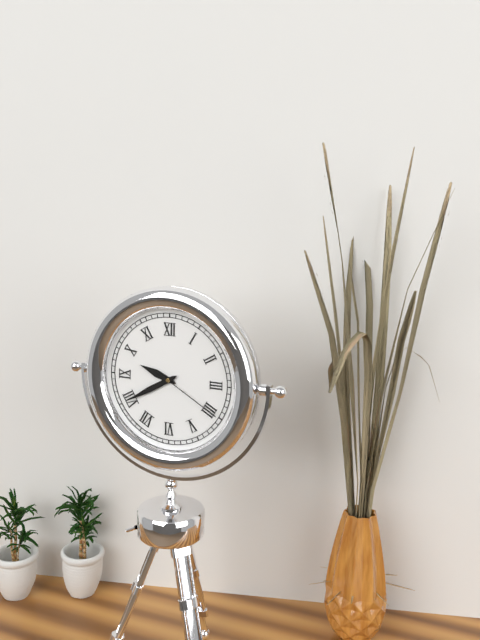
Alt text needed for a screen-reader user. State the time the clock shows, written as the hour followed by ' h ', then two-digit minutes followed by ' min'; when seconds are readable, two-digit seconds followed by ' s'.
9 h 40 min 20 s
